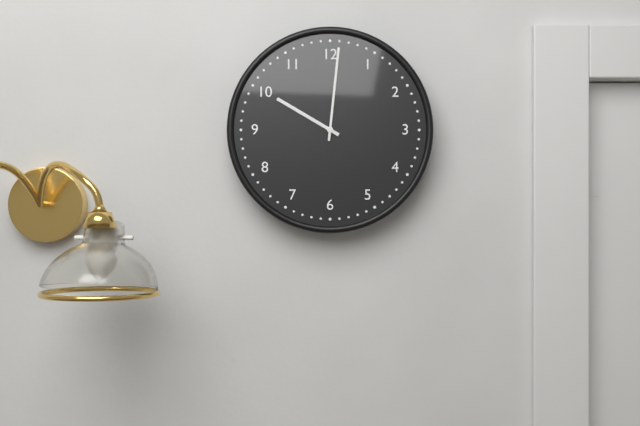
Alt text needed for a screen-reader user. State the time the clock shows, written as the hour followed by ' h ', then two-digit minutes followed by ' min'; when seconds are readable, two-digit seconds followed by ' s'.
10 h 01 min
